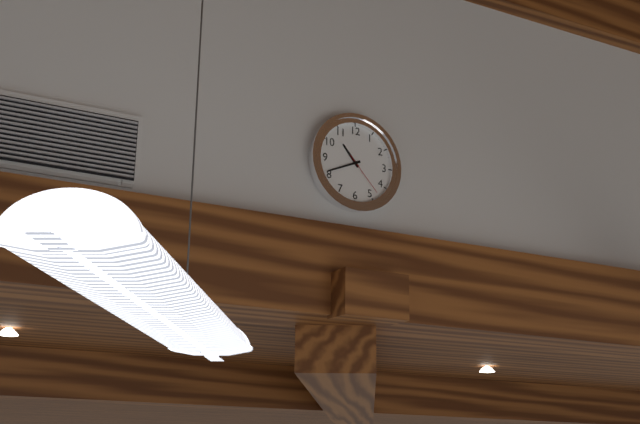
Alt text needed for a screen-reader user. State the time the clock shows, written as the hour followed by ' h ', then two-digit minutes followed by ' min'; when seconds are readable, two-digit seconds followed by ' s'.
10 h 41 min
